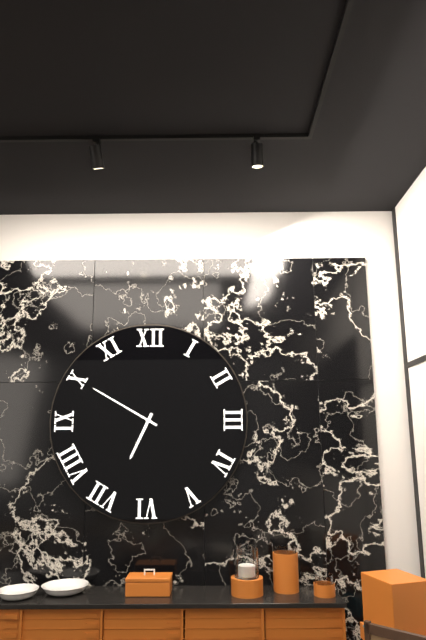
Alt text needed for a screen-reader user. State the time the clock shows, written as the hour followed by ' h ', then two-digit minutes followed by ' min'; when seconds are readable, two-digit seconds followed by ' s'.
6 h 50 min
